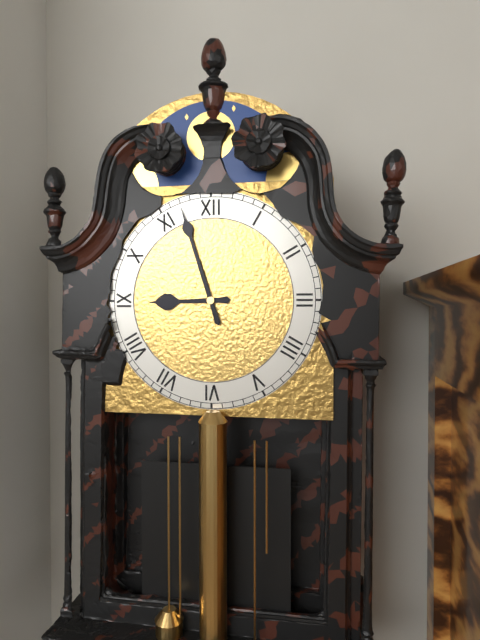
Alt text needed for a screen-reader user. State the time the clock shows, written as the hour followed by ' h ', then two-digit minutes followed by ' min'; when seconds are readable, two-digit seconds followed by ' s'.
8 h 57 min
